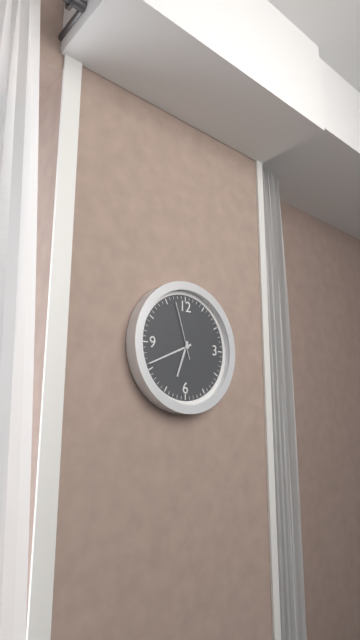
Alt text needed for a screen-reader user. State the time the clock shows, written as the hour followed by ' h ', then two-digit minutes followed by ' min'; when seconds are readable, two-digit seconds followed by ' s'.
6 h 41 min 57 s
